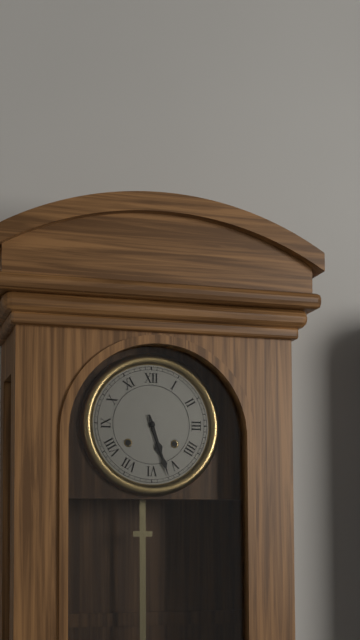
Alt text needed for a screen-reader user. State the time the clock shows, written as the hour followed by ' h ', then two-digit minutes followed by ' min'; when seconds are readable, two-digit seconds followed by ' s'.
5 h 27 min
